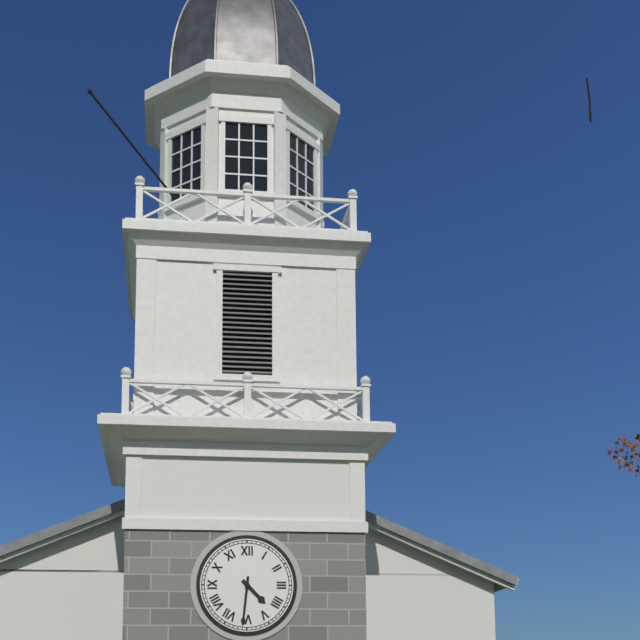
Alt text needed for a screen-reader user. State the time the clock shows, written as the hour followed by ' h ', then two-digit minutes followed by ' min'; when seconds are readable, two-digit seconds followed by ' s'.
4 h 31 min
